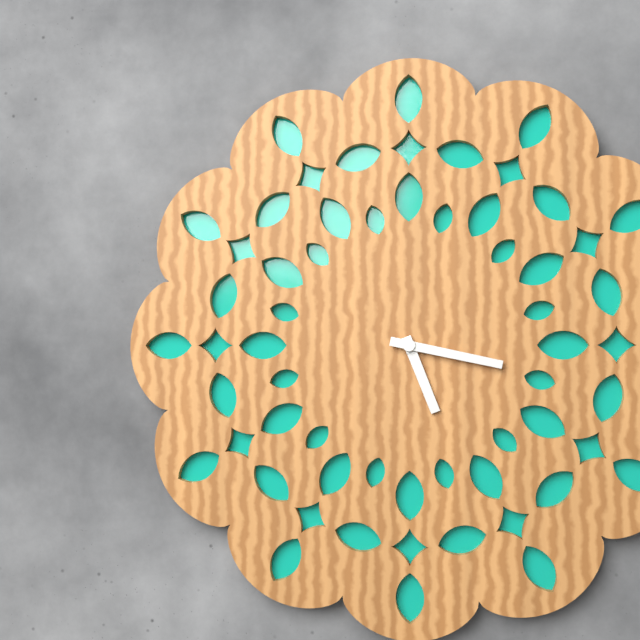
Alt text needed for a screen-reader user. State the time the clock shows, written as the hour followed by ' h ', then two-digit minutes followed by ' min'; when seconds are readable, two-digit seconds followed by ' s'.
5 h 17 min
